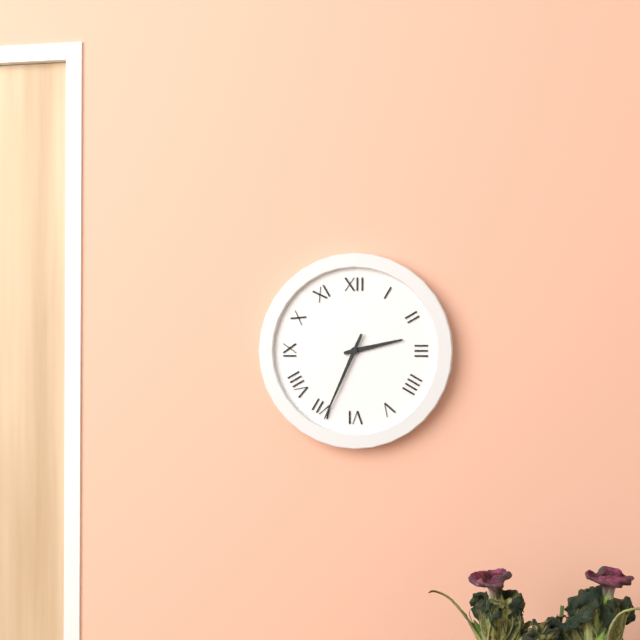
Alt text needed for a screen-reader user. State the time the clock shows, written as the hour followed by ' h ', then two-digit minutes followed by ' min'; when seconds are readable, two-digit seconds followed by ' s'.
2 h 34 min
